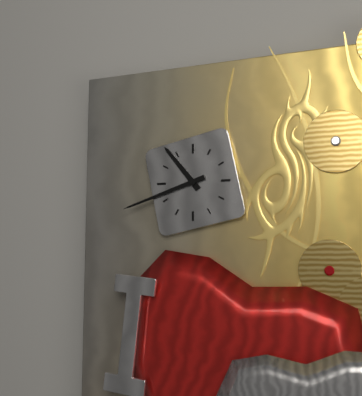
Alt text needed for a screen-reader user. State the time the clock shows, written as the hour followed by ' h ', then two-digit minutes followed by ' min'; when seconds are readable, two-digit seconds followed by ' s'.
10 h 42 min
